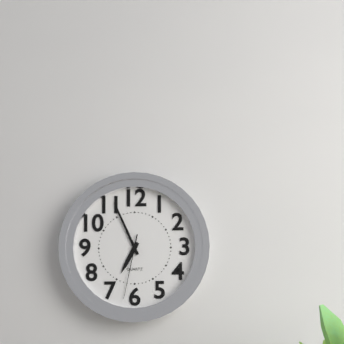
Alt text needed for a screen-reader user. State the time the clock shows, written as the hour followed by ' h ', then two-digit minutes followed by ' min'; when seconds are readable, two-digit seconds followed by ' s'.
6 h 56 min 32 s
